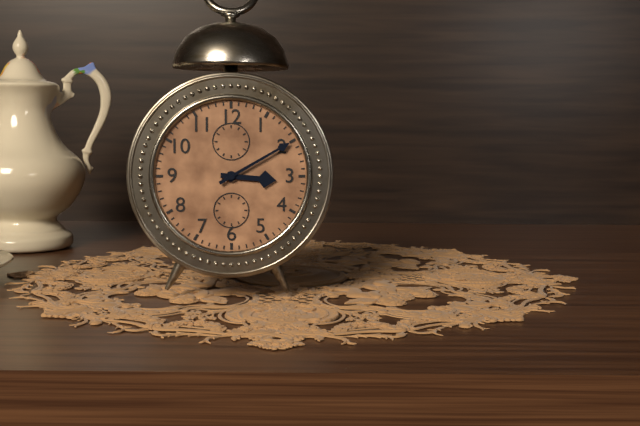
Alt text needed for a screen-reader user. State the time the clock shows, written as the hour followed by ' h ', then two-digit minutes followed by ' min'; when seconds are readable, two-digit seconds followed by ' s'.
3 h 10 min
